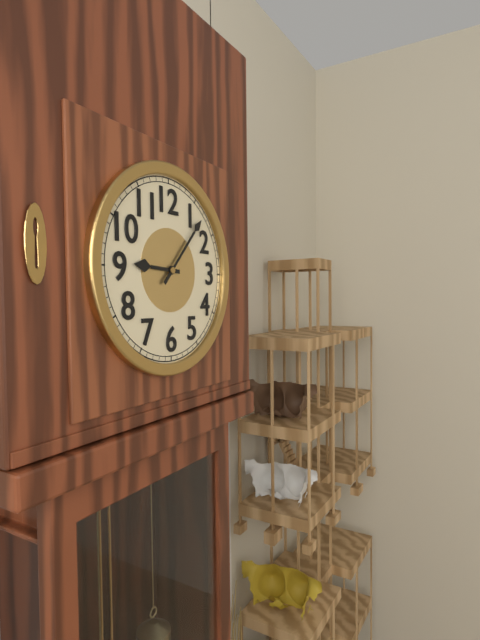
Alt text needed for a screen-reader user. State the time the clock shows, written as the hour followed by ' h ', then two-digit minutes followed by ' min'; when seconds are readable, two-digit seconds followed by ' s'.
9 h 07 min
